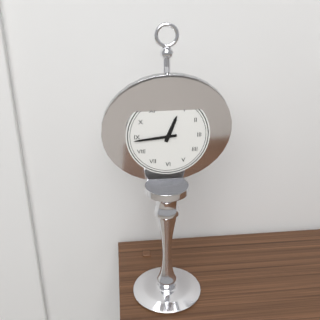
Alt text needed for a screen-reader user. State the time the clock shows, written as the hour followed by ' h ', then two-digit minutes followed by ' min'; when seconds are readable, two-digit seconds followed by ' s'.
12 h 44 min
